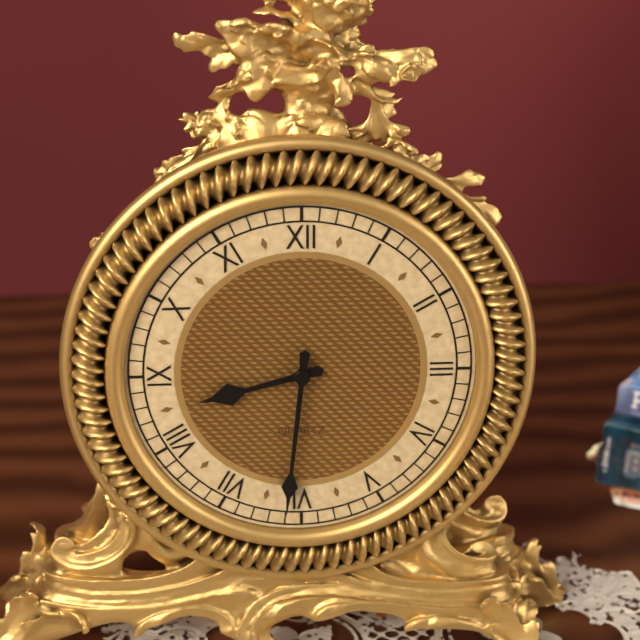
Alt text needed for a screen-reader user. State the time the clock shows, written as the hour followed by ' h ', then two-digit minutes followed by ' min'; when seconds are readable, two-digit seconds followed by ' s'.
8 h 31 min
